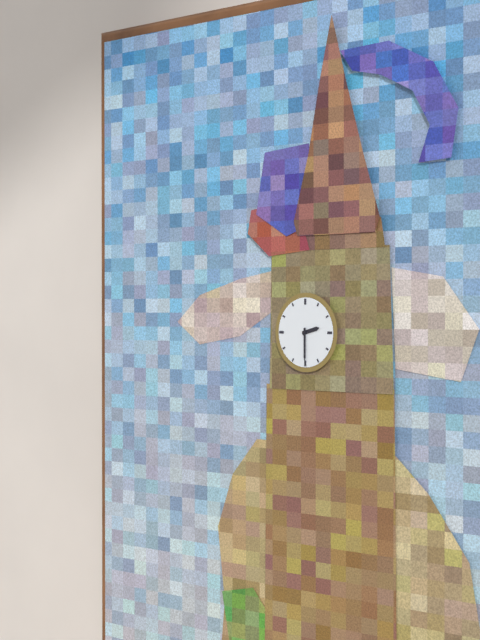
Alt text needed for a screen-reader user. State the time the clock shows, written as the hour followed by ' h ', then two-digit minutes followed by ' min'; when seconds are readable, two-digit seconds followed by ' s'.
2 h 30 min
